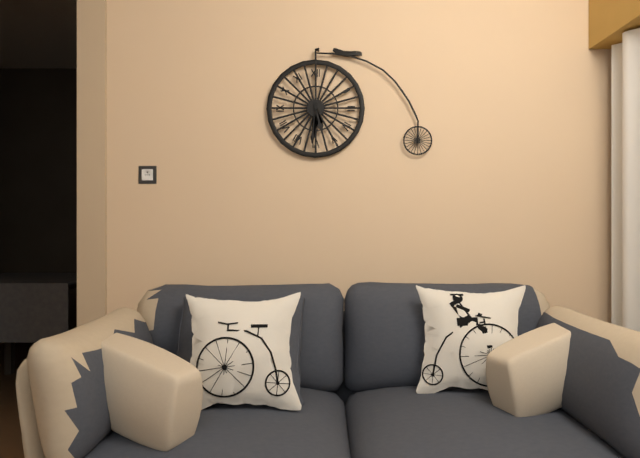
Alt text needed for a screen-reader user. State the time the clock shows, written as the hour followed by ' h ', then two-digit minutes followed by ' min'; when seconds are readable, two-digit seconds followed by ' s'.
5 h 31 min
